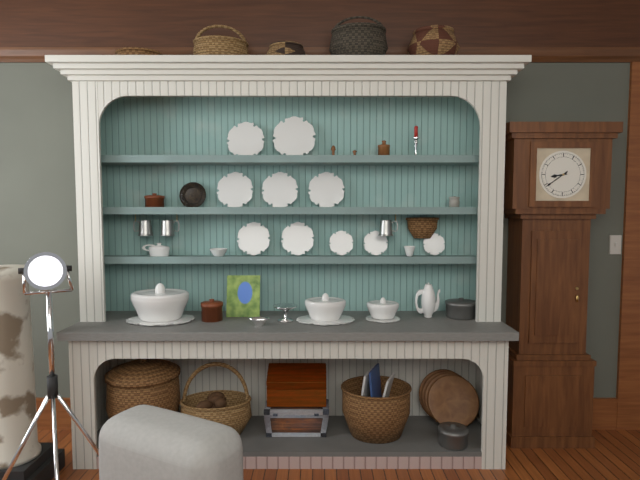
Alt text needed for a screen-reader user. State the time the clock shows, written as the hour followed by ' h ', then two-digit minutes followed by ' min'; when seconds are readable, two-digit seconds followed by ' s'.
8 h 39 min
